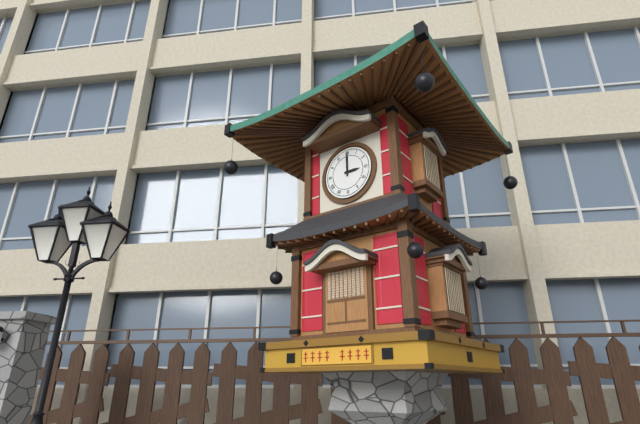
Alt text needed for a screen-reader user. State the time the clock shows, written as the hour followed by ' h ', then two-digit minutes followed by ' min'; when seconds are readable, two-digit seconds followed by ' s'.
3 h 00 min
